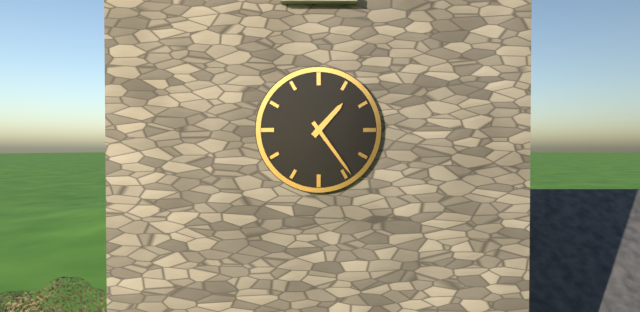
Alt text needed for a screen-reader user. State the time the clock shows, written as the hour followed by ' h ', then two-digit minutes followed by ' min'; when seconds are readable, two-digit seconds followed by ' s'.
1 h 24 min
